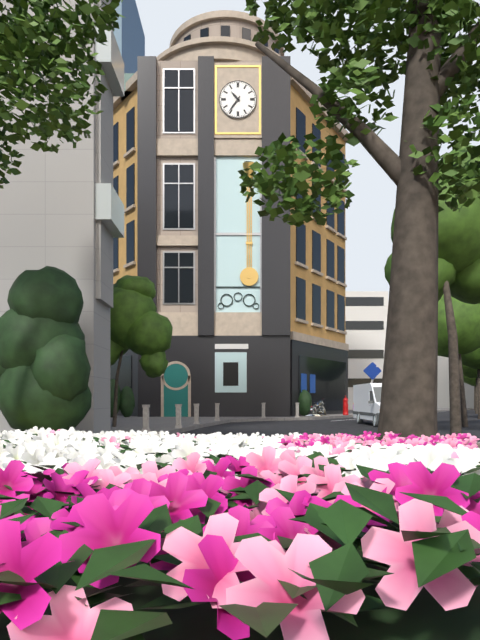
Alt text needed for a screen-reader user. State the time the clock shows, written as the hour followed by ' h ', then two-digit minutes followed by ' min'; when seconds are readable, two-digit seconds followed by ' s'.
10 h 36 min
